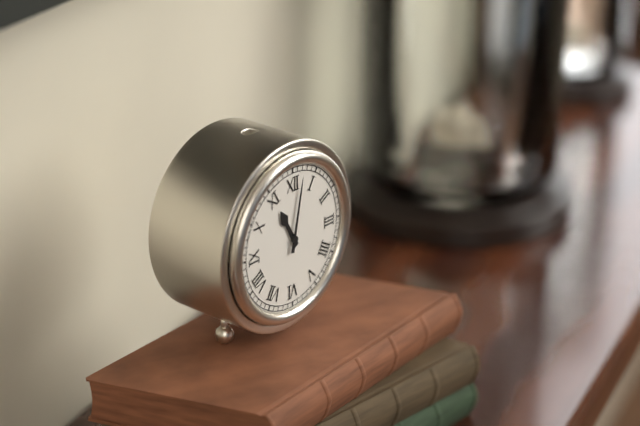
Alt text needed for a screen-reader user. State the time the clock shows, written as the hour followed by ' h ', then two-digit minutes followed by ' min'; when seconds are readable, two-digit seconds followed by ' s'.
11 h 02 min
